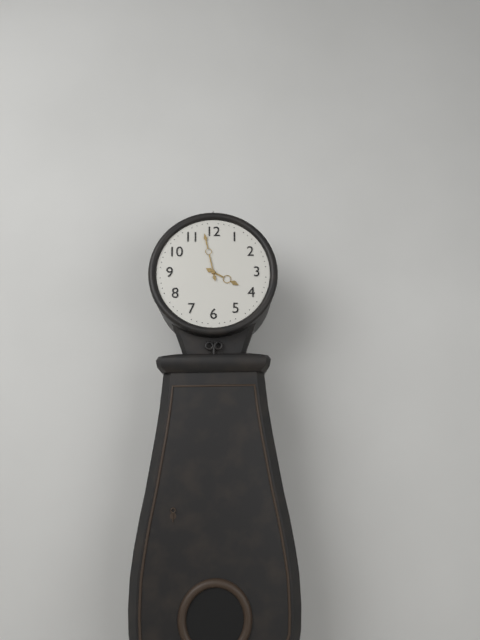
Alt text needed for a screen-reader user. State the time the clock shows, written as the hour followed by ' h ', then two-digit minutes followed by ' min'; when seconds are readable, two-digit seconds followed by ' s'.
3 h 58 min
